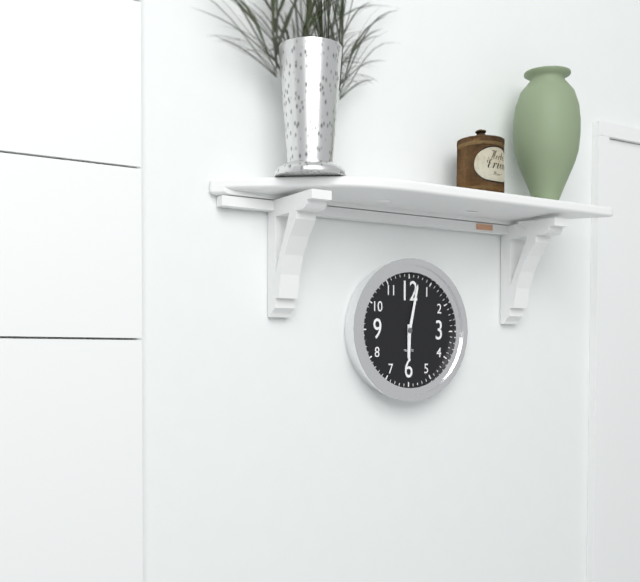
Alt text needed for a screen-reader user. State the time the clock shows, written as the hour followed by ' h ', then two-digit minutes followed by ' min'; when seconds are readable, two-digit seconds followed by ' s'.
6 h 02 min
